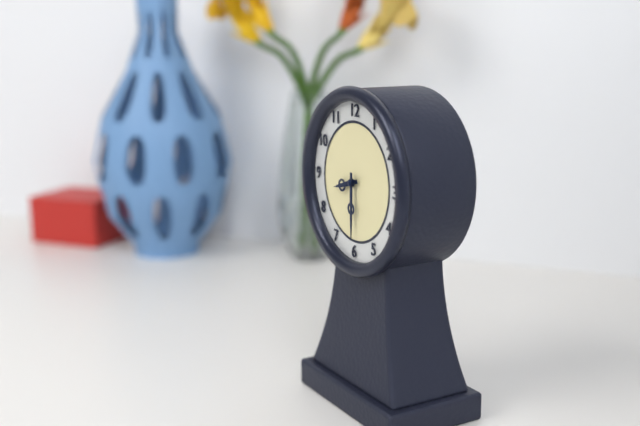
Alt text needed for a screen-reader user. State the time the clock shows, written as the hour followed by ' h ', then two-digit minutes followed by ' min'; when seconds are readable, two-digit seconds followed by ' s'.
8 h 30 min
